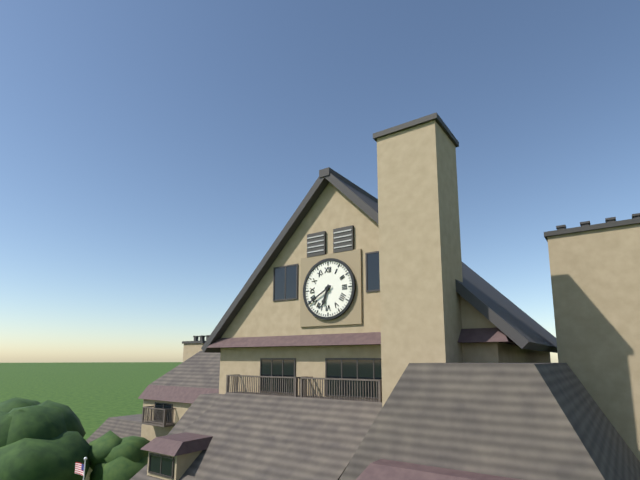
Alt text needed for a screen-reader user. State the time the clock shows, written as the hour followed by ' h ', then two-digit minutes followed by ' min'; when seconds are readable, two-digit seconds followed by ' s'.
6 h 40 min
